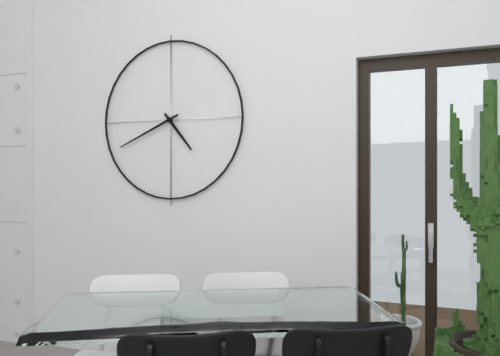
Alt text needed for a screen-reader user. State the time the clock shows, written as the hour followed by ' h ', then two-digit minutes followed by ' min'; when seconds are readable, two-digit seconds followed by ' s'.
4 h 41 min
